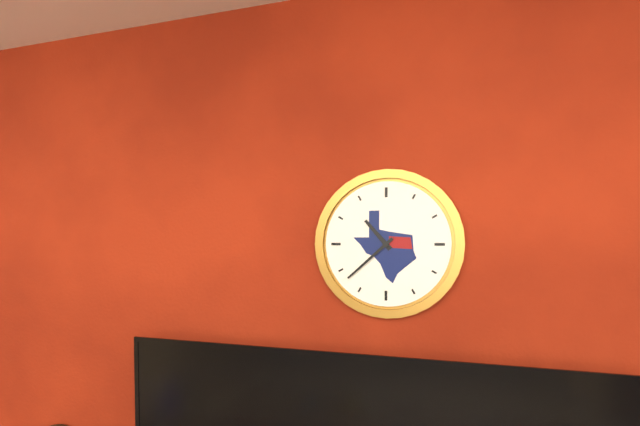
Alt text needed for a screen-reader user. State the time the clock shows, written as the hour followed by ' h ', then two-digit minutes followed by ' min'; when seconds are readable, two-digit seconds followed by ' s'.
10 h 38 min
